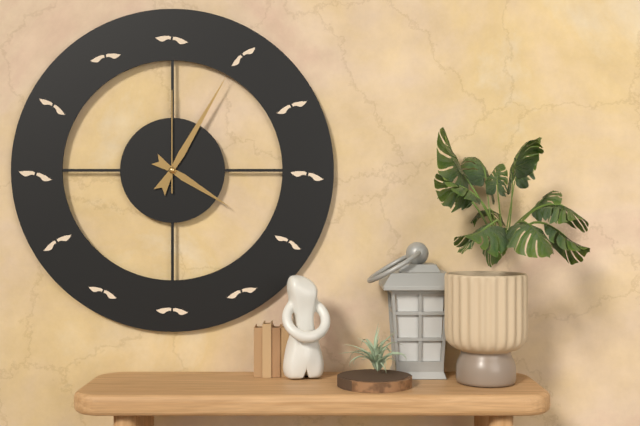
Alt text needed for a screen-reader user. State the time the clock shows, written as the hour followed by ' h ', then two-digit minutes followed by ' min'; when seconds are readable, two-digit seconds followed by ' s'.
4 h 05 min 00 s
